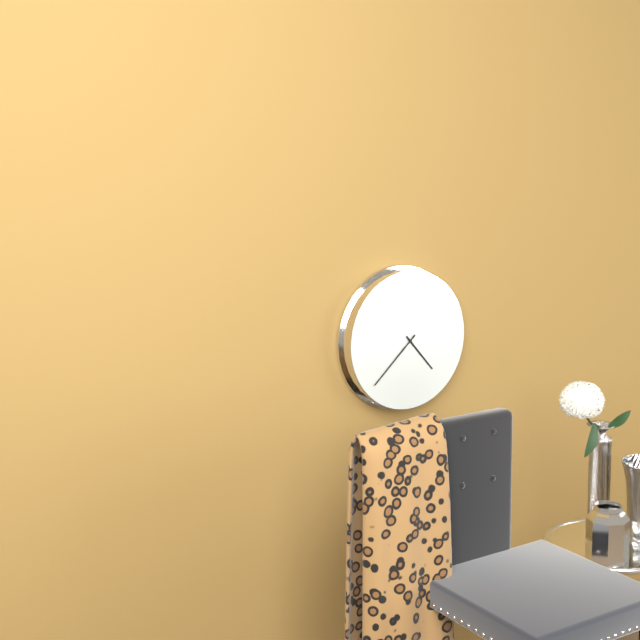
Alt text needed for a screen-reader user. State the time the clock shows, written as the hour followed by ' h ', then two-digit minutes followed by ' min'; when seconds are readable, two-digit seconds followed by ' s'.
4 h 38 min
